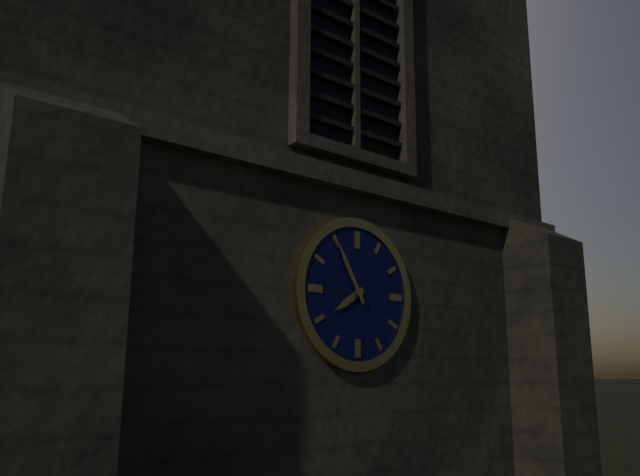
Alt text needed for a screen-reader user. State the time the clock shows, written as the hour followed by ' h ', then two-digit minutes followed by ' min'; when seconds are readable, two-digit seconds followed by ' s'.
7 h 55 min
